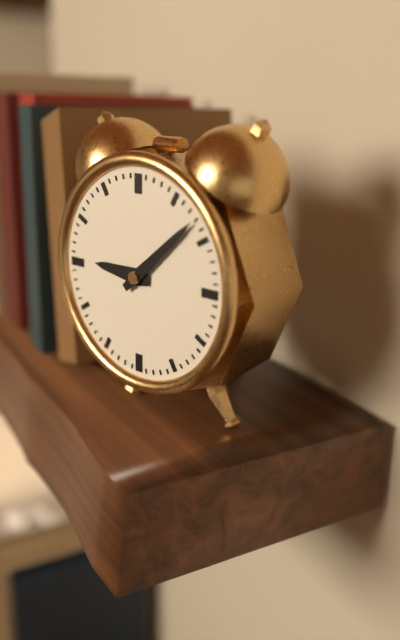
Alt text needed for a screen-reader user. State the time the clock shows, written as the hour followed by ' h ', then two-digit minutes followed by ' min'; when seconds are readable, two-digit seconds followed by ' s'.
9 h 08 min
